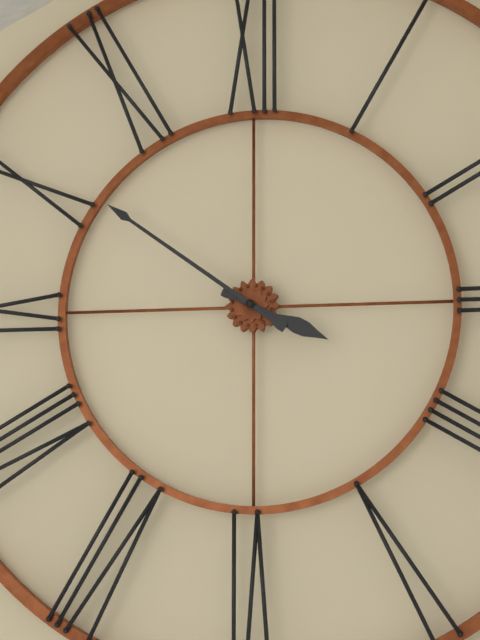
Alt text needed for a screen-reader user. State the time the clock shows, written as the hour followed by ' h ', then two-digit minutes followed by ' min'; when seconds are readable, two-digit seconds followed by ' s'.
3 h 51 min
